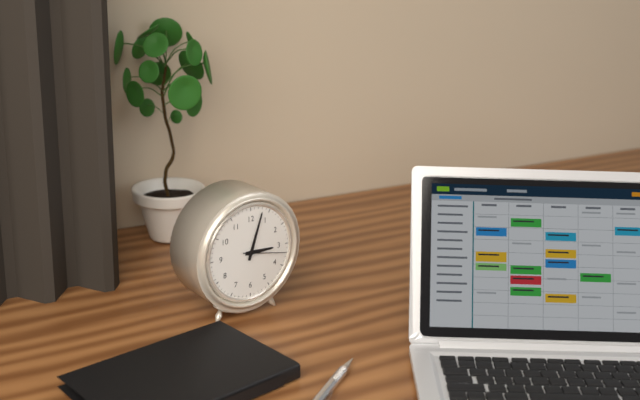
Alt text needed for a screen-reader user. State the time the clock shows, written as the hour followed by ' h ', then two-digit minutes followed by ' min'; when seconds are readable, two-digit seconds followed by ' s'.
3 h 03 min
